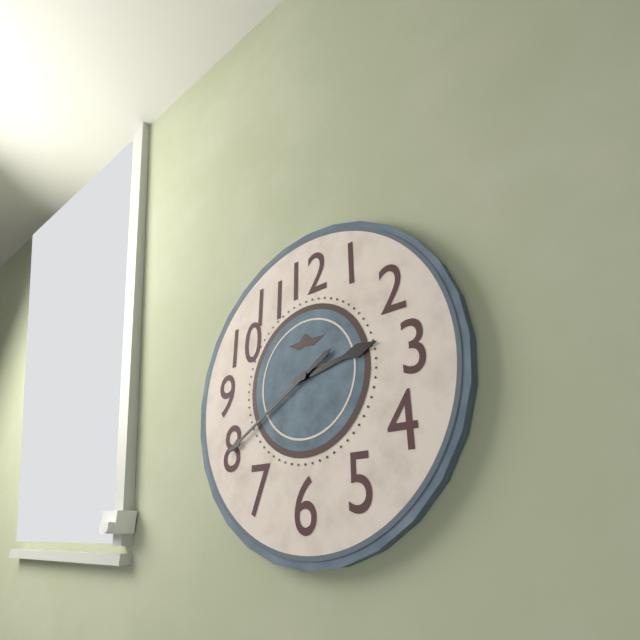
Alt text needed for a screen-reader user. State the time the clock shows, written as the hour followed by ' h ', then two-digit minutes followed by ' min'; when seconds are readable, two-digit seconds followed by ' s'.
2 h 40 min
